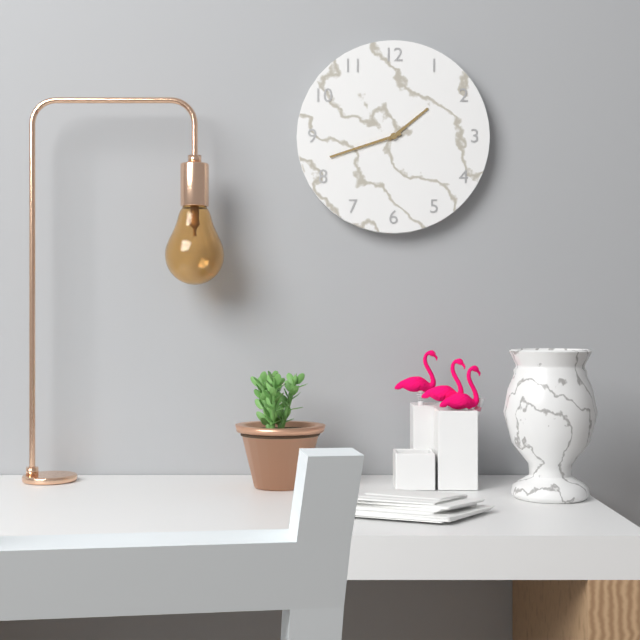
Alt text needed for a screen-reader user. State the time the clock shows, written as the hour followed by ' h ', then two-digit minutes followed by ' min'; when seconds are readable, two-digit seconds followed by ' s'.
1 h 42 min
